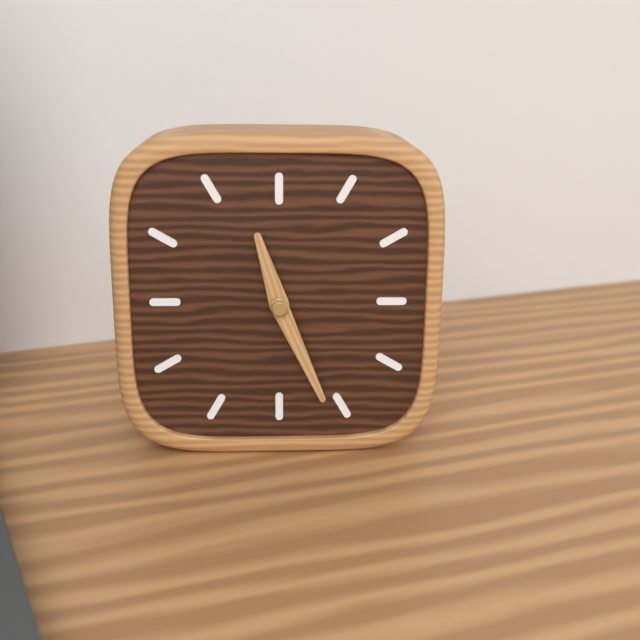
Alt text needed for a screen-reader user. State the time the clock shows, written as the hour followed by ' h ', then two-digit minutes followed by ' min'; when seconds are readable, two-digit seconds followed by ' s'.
11 h 26 min
